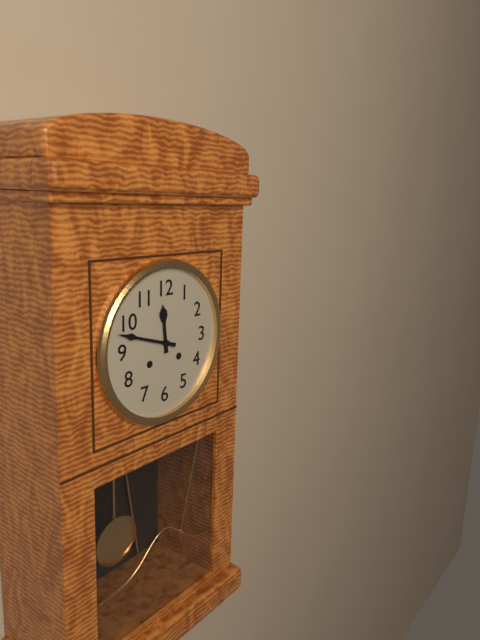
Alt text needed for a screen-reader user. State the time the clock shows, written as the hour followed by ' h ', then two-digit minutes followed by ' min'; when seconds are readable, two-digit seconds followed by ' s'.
11 h 48 min
